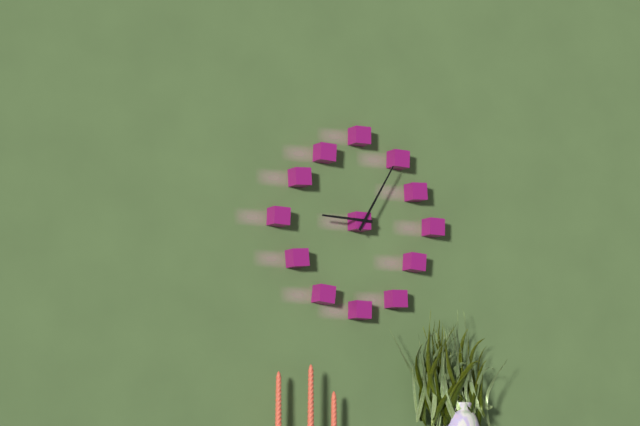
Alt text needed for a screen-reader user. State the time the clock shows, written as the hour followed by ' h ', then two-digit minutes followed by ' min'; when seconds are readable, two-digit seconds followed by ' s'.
9 h 05 min
